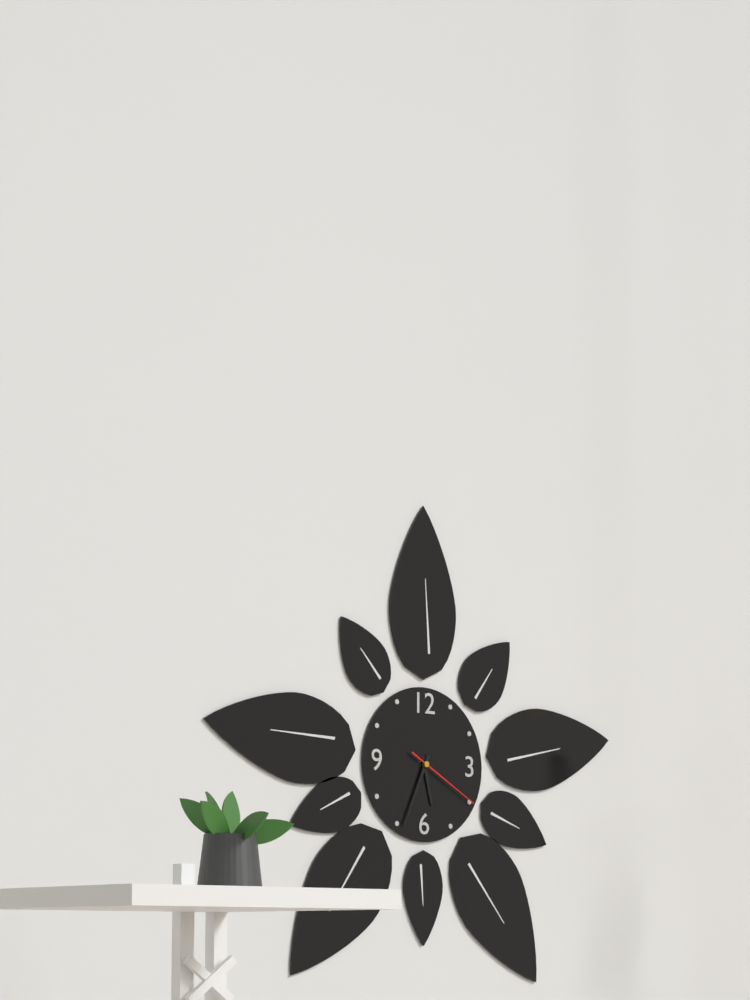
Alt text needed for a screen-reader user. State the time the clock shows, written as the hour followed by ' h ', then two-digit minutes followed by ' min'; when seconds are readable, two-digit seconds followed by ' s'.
5 h 34 min 20 s
